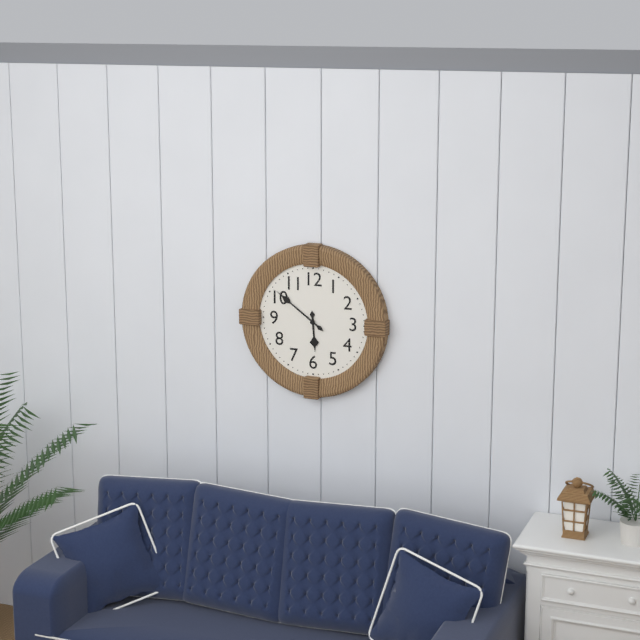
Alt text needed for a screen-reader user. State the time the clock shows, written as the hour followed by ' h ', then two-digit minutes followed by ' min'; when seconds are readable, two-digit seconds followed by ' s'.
5 h 51 min
